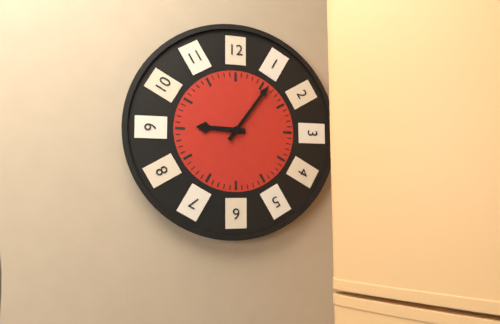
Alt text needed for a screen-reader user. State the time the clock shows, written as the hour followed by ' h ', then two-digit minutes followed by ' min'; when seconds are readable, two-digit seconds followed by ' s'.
9 h 06 min
